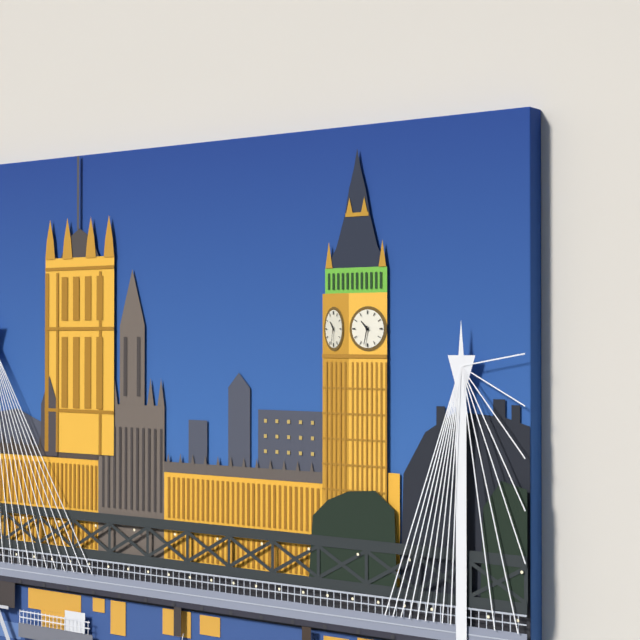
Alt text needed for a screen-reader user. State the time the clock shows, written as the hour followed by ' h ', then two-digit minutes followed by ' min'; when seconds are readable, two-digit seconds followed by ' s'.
10 h 32 min
